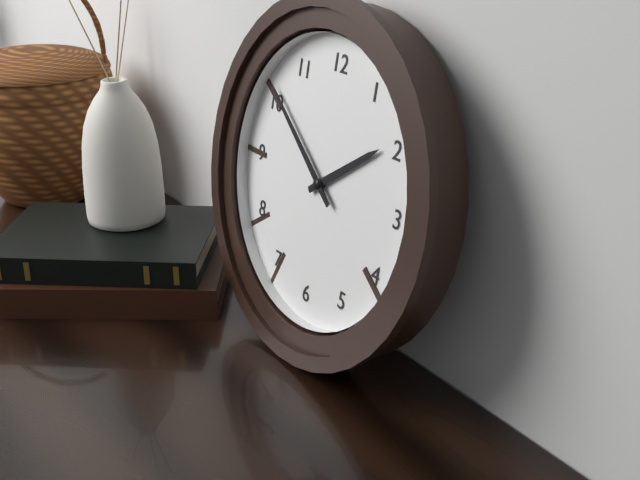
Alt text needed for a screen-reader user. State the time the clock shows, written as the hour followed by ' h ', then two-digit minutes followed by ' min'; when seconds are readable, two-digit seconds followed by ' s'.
1 h 51 min
